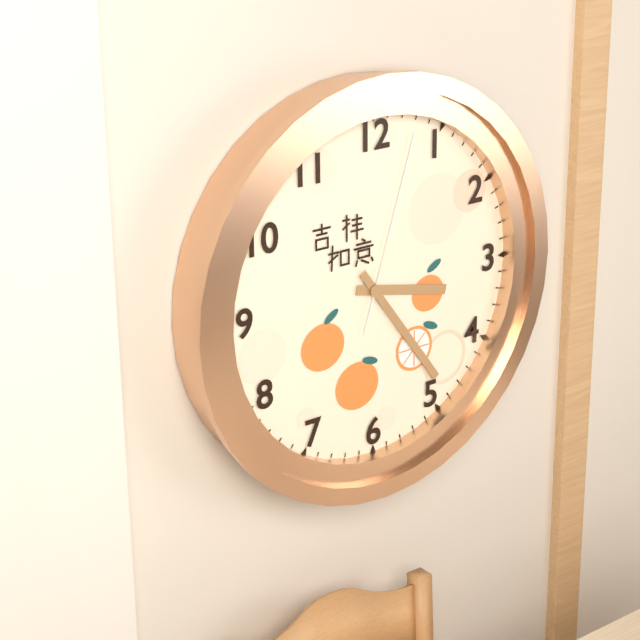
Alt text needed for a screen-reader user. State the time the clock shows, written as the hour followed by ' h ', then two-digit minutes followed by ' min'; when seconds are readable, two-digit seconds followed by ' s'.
3 h 24 min 03 s
